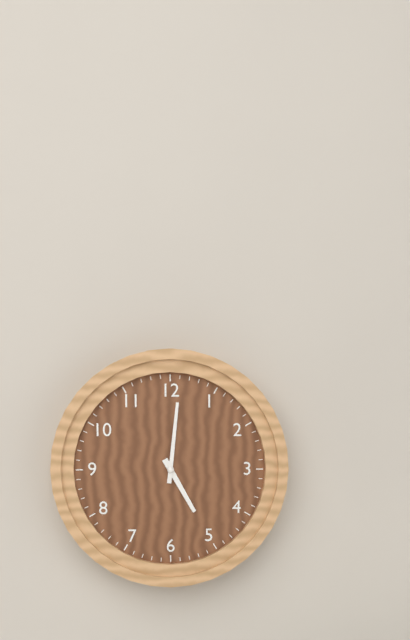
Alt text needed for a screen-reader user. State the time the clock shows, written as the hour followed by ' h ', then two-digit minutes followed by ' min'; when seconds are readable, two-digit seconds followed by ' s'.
5 h 01 min
